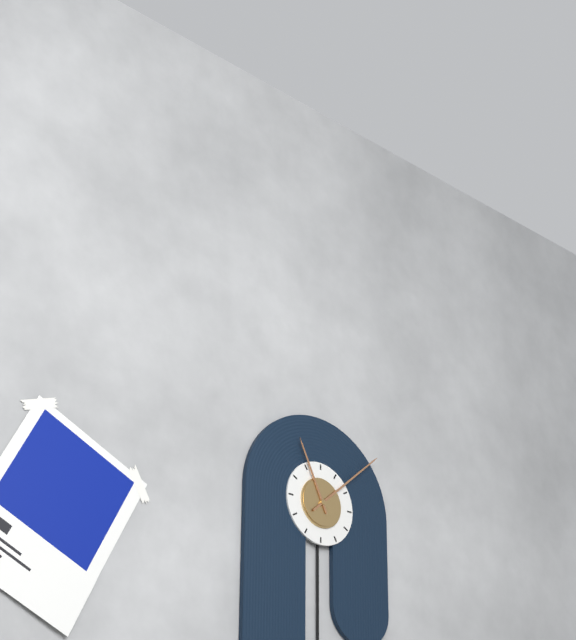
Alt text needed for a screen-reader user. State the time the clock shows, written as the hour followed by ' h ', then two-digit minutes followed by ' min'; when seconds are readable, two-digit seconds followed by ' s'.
11 h 08 min
